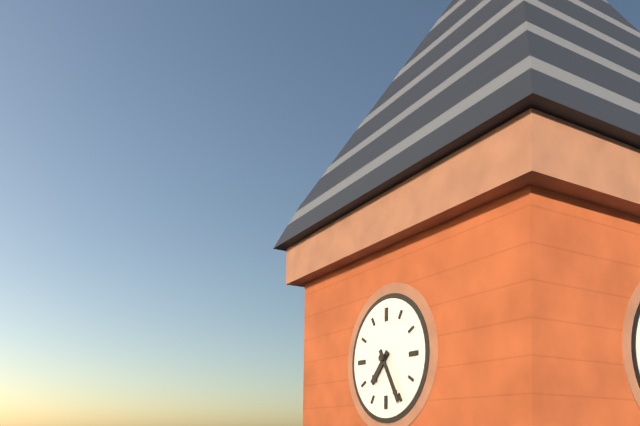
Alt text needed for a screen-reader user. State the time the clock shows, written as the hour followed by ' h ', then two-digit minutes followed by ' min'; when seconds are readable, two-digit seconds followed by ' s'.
7 h 25 min
